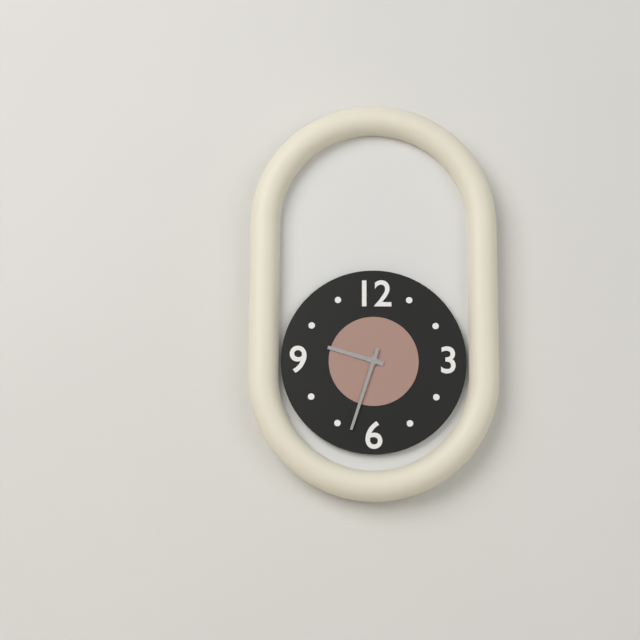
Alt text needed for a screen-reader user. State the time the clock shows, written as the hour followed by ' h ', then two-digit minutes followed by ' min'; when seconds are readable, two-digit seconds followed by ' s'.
9 h 33 min
